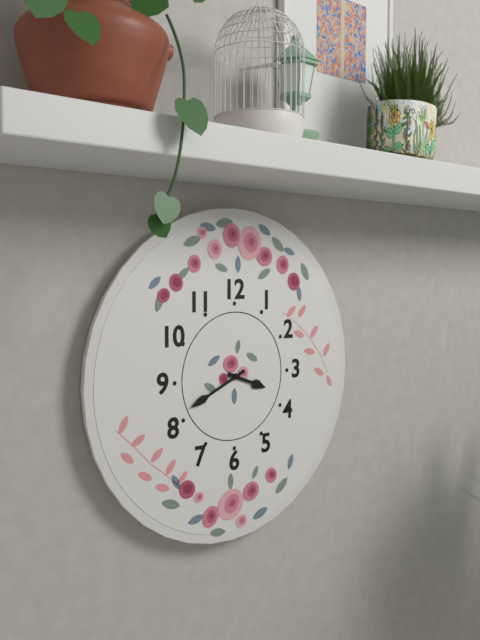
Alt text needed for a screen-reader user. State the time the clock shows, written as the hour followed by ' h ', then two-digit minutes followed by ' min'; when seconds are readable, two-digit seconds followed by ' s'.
3 h 41 min
